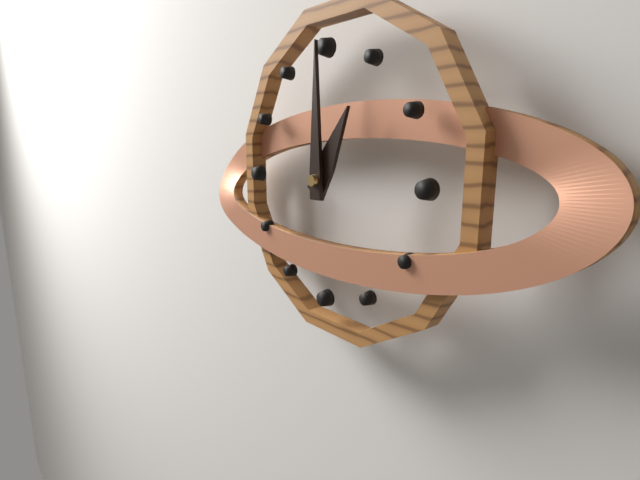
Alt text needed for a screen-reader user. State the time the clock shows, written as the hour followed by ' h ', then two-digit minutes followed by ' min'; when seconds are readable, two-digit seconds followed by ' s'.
1 h 00 min
